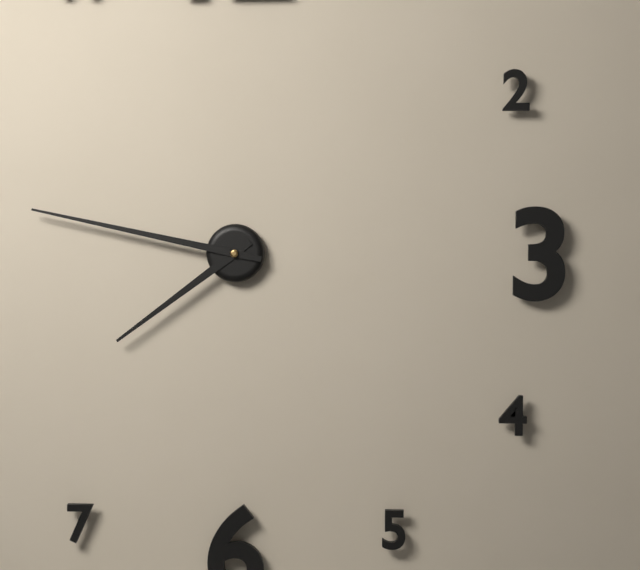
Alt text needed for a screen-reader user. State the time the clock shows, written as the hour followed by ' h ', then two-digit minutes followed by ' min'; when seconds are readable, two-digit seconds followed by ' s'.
7 h 47 min
